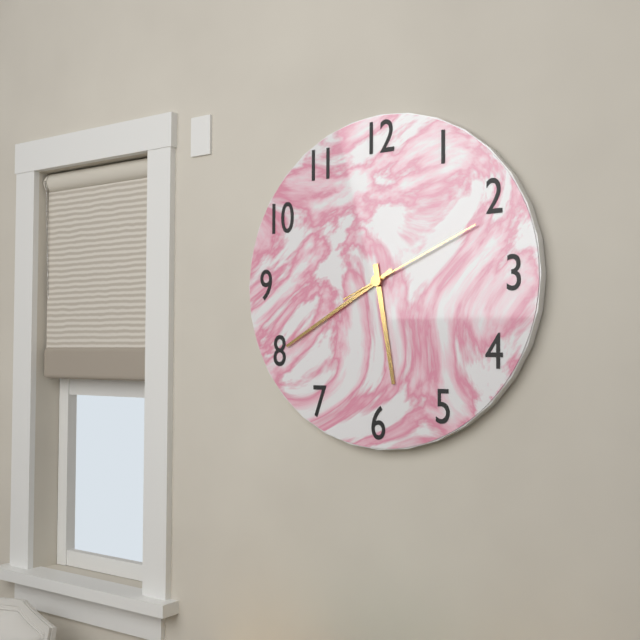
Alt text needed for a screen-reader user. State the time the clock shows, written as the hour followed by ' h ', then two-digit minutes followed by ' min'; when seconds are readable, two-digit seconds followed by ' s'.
5 h 40 min 11 s
